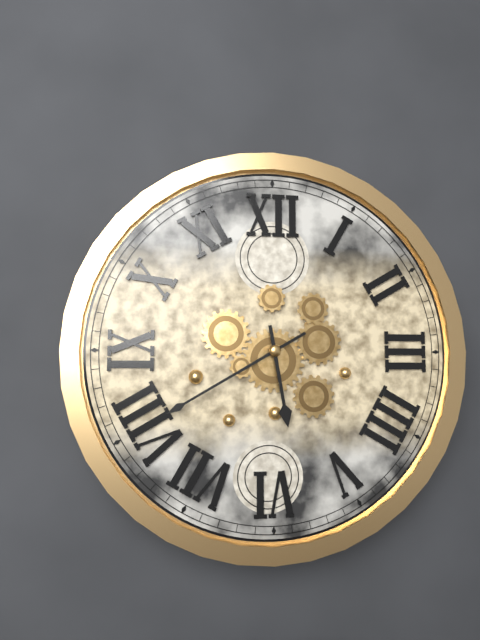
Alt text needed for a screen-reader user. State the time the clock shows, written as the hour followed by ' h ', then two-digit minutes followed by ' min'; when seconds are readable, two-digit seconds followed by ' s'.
5 h 40 min
